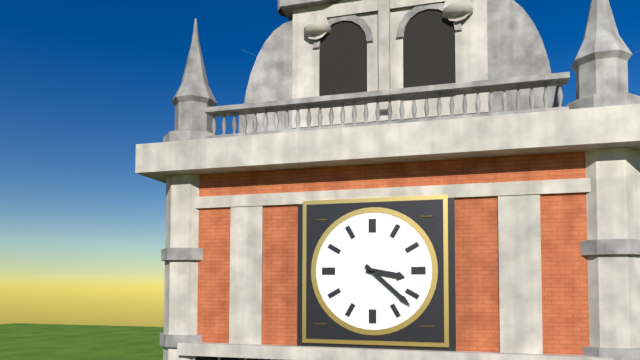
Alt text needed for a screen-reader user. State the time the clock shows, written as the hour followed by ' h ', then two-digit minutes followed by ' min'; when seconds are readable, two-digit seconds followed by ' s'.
3 h 22 min
